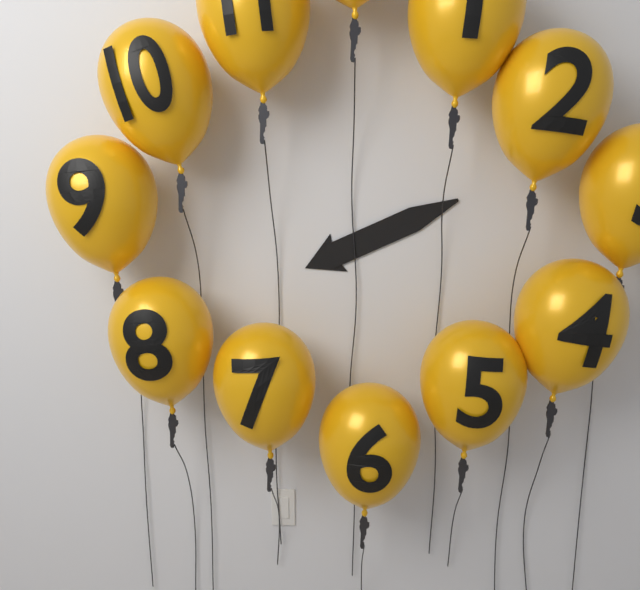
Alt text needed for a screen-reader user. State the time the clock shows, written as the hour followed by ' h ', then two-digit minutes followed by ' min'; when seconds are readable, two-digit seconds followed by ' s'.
8 h 11 min
